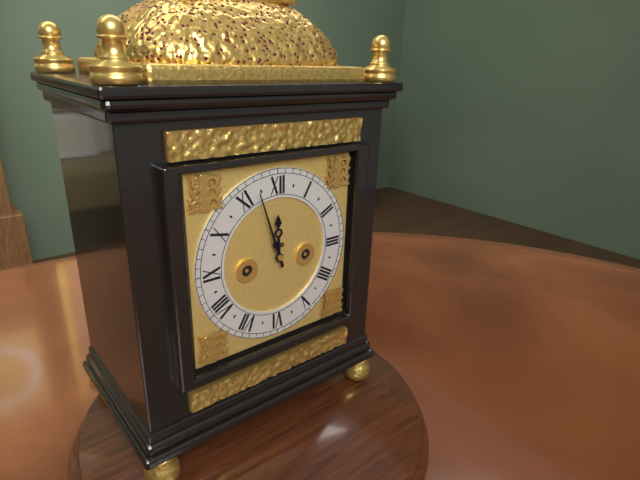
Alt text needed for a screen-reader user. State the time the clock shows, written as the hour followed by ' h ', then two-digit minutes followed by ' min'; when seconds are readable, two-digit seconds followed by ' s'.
11 h 57 min
